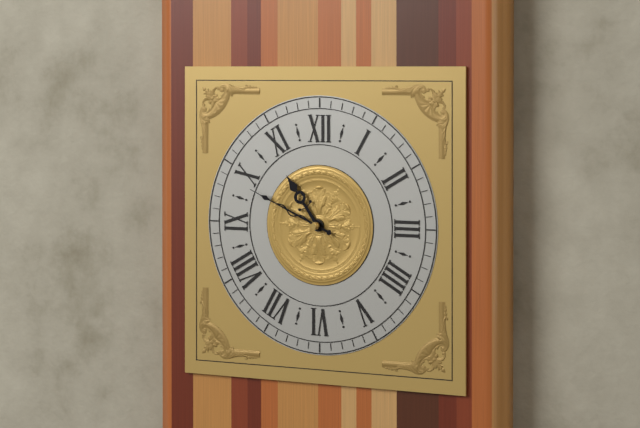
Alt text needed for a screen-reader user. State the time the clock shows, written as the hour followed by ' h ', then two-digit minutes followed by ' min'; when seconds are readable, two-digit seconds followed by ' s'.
10 h 49 min
